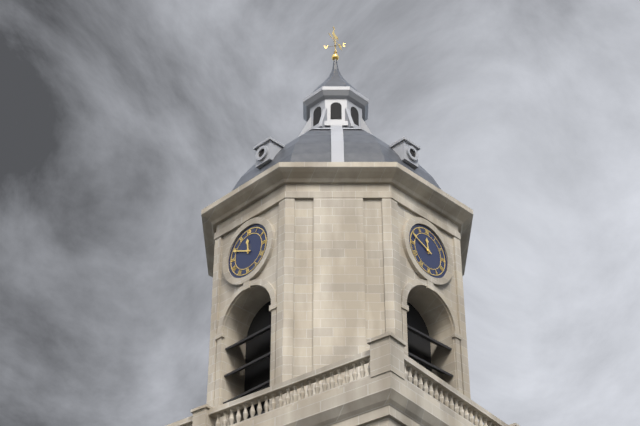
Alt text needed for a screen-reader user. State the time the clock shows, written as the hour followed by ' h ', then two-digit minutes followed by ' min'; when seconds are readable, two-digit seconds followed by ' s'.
11 h 49 min
